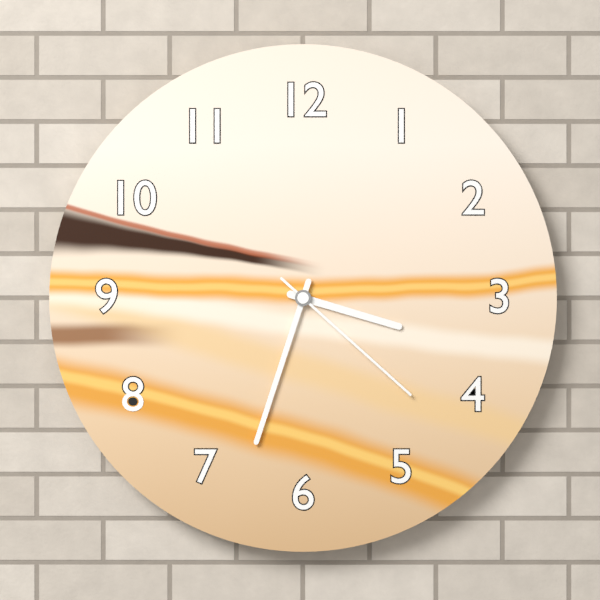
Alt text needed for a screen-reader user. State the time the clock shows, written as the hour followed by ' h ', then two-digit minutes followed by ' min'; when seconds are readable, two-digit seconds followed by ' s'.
3 h 33 min 22 s
